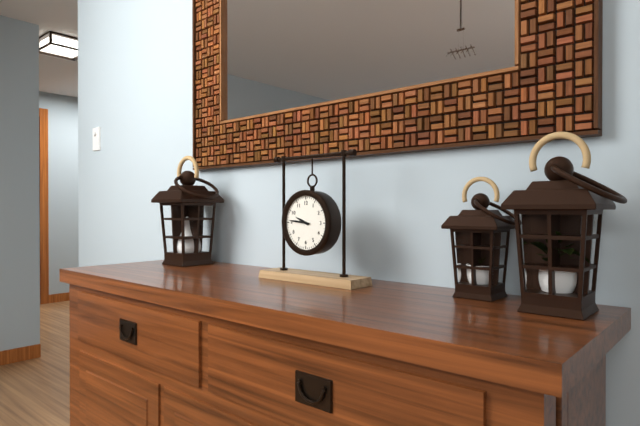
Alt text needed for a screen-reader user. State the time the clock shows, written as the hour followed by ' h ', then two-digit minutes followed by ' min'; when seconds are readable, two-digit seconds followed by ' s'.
9 h 46 min
